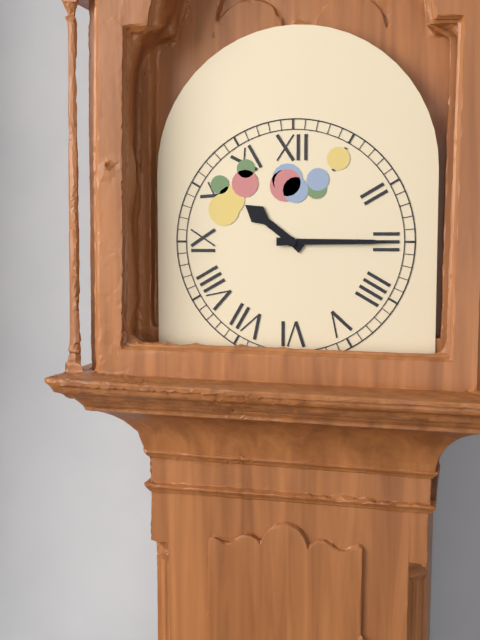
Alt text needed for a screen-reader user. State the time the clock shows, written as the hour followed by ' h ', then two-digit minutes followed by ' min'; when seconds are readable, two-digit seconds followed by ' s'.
10 h 15 min
